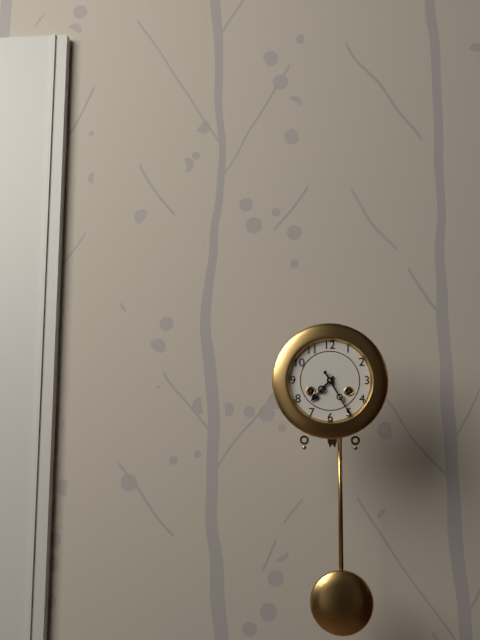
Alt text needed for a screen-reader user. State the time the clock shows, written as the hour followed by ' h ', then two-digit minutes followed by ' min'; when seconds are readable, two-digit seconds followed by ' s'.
7 h 25 min
